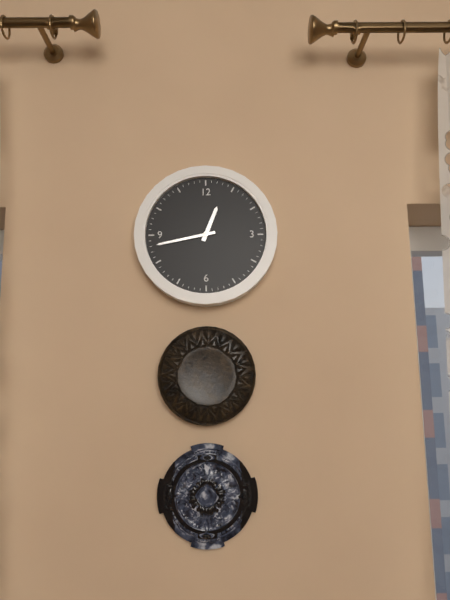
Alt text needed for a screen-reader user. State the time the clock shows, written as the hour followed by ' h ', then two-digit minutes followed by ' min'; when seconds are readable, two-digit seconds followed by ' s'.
12 h 43 min
